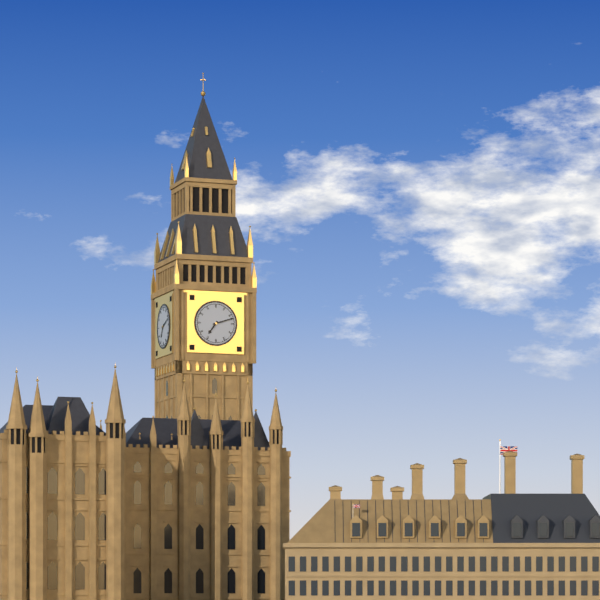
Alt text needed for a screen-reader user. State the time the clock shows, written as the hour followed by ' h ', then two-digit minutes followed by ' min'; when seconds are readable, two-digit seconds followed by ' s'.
7 h 12 min
